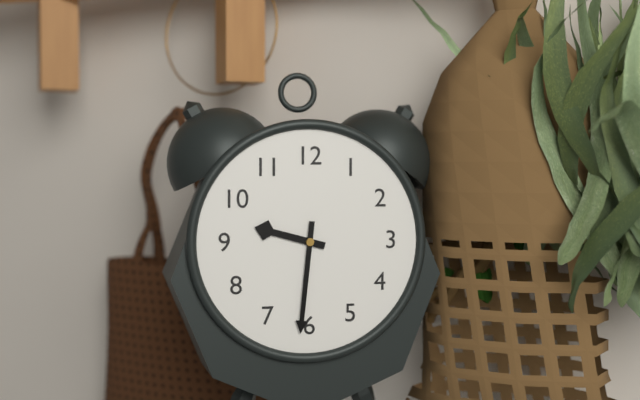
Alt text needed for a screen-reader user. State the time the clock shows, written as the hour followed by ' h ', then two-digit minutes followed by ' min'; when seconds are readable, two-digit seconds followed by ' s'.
9 h 31 min
